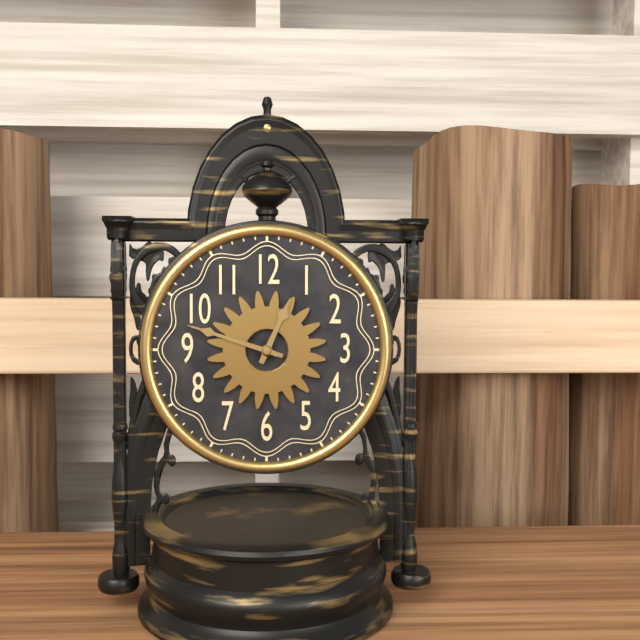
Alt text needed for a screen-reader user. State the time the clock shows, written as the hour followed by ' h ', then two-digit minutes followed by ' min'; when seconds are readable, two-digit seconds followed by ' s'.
12 h 48 min
